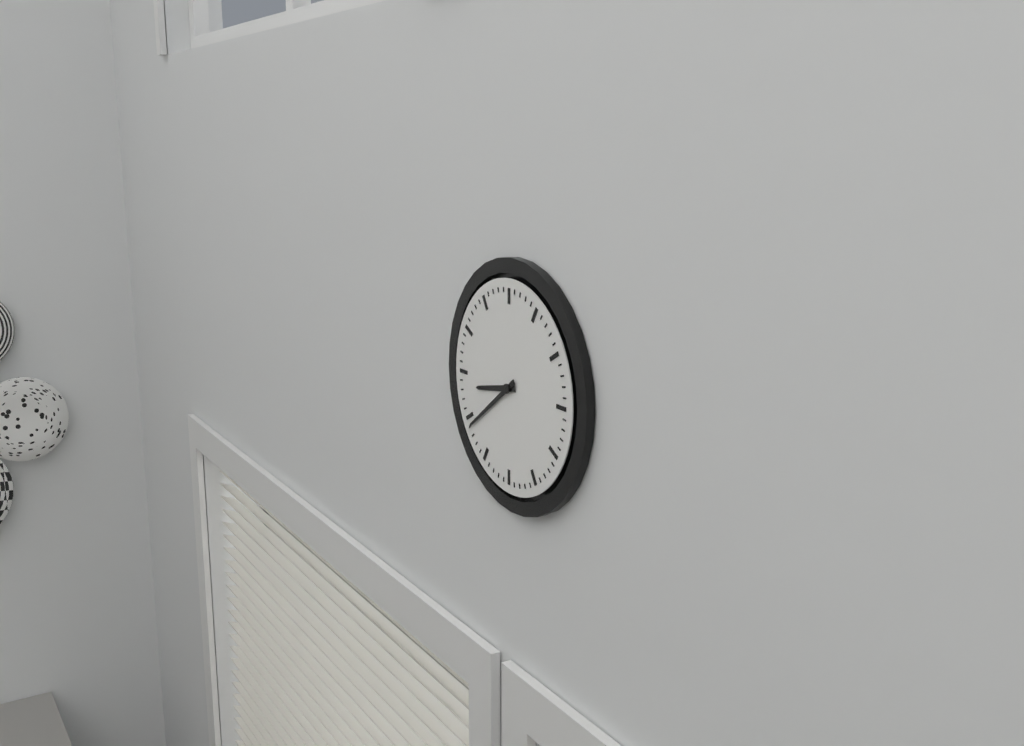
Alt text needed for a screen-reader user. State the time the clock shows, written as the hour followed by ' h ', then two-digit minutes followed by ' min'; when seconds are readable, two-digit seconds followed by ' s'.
8 h 39 min
